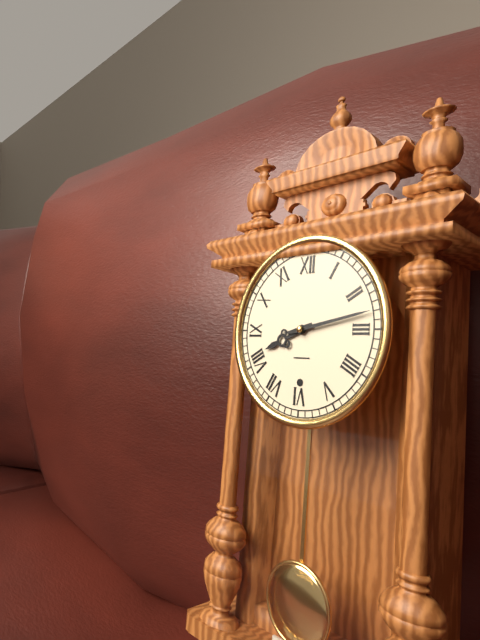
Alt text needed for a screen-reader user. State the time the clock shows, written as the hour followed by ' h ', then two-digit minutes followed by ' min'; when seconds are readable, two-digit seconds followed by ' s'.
8 h 13 min
